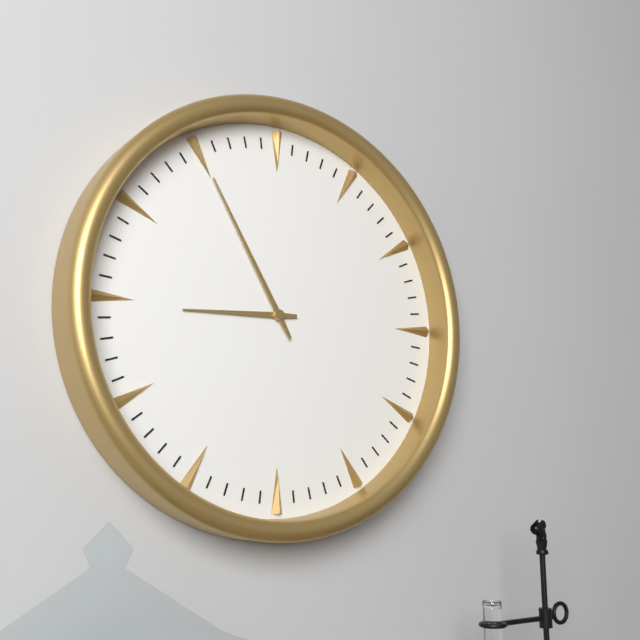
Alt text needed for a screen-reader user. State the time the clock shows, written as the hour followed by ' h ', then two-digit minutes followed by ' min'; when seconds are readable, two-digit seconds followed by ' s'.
8 h 55 min
